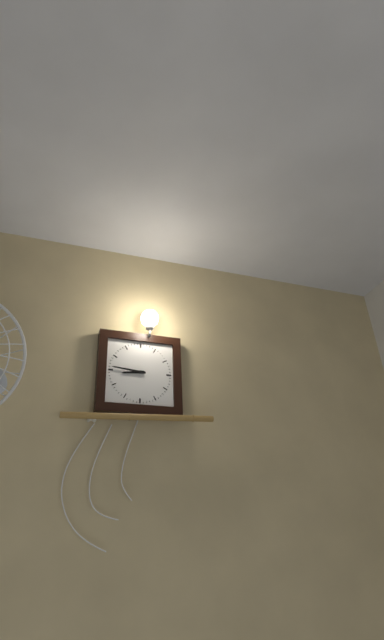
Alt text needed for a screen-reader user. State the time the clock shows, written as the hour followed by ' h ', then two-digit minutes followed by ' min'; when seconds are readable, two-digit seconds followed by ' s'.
8 h 46 min
